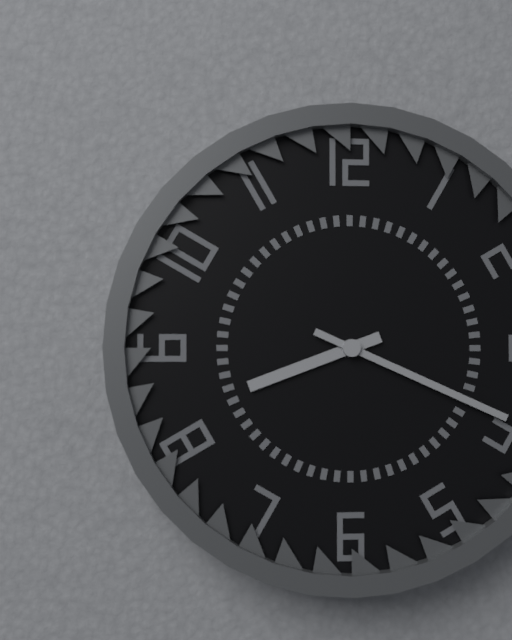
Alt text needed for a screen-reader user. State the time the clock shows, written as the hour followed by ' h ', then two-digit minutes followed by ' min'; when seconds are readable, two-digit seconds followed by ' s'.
8 h 19 min
